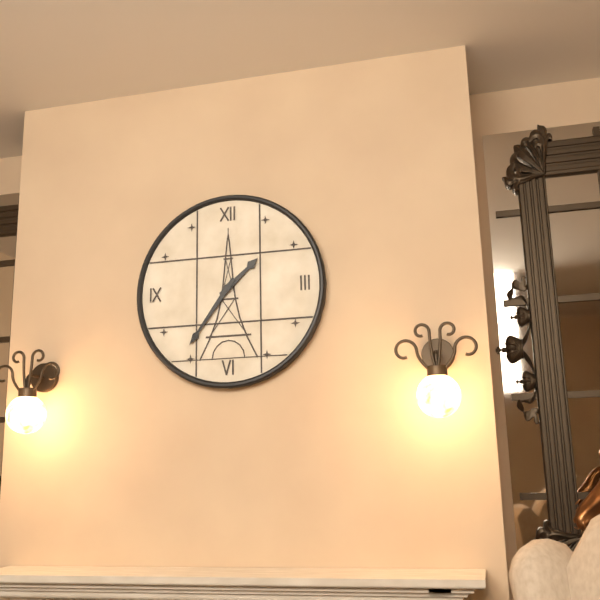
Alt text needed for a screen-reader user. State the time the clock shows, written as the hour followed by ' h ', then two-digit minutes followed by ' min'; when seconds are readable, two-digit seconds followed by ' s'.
1 h 36 min
